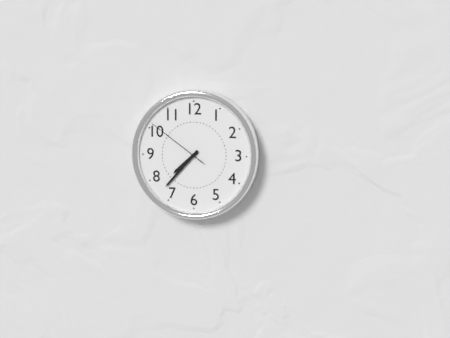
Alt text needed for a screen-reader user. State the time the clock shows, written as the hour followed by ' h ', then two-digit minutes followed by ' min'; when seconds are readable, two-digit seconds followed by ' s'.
7 h 37 min 51 s
